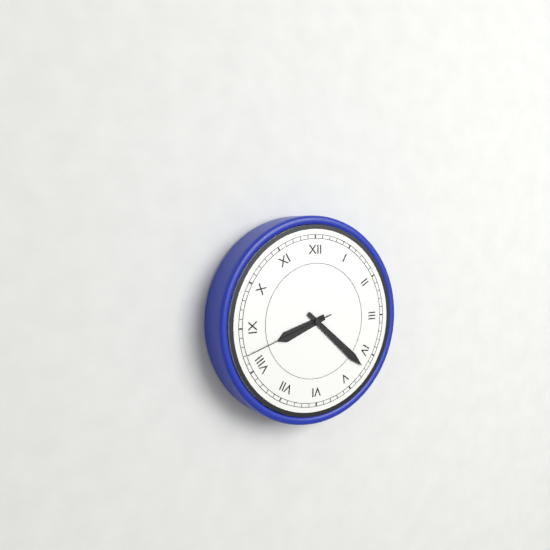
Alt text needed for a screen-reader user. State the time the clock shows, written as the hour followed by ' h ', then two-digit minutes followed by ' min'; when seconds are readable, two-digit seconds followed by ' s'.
8 h 22 min 42 s
